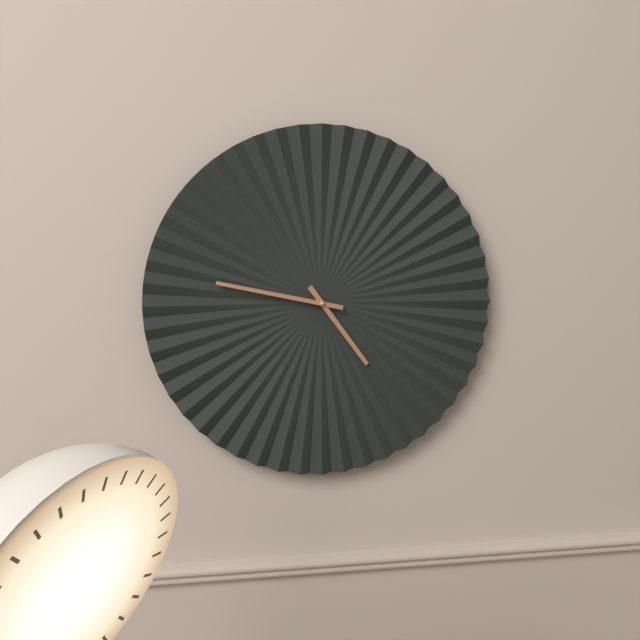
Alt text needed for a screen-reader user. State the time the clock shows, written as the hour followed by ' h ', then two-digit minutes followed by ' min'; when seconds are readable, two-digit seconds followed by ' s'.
4 h 47 min
